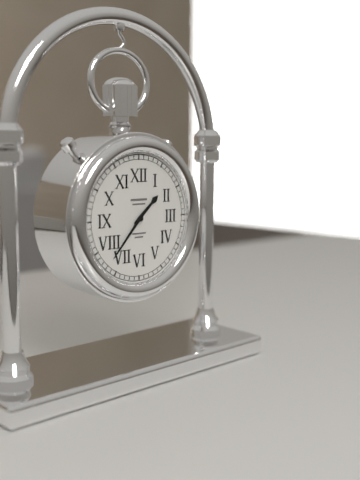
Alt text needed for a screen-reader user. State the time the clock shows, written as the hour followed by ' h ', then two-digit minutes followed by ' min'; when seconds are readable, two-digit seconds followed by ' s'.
1 h 37 min
